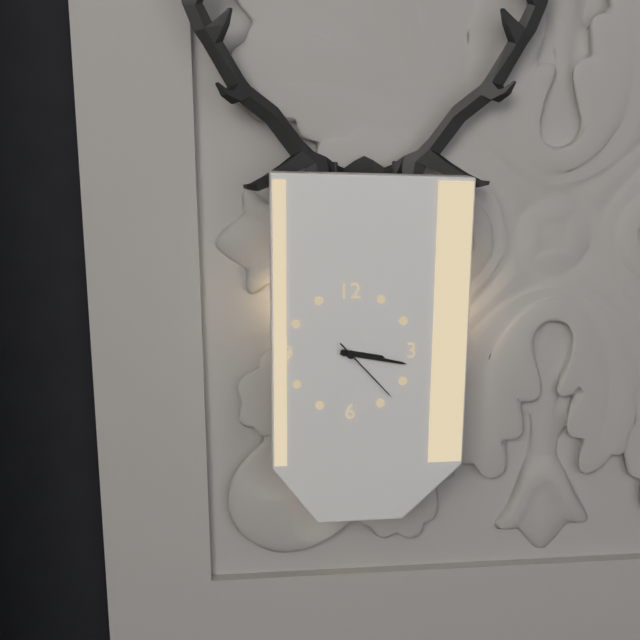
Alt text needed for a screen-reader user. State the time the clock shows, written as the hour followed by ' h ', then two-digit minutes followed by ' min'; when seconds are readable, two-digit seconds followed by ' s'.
3 h 17 min 23 s
